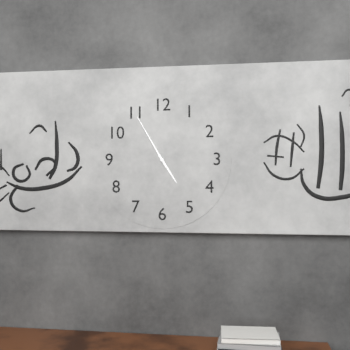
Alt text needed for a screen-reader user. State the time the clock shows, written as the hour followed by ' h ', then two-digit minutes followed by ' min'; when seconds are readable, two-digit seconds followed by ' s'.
4 h 55 min
